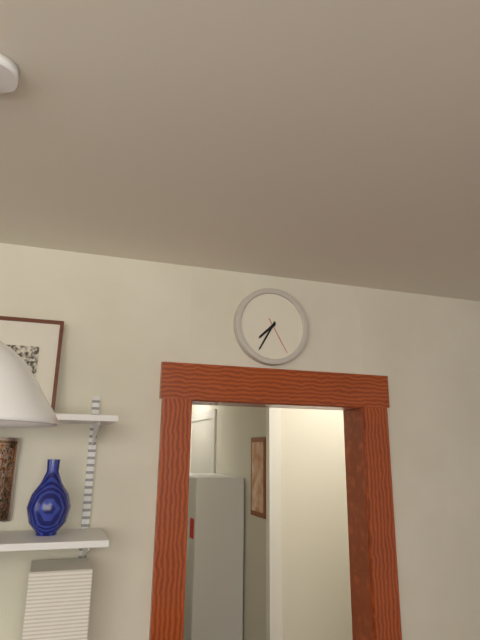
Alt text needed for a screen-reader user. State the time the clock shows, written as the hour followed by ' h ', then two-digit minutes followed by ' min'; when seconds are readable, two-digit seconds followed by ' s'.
7 h 35 min
